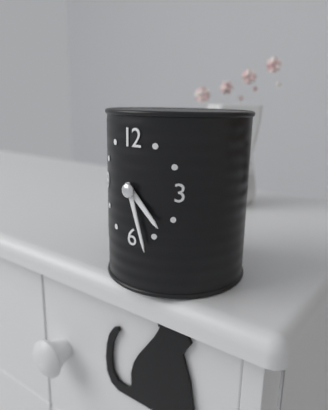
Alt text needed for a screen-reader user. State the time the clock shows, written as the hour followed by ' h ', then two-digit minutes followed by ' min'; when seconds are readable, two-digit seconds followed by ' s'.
4 h 27 min
